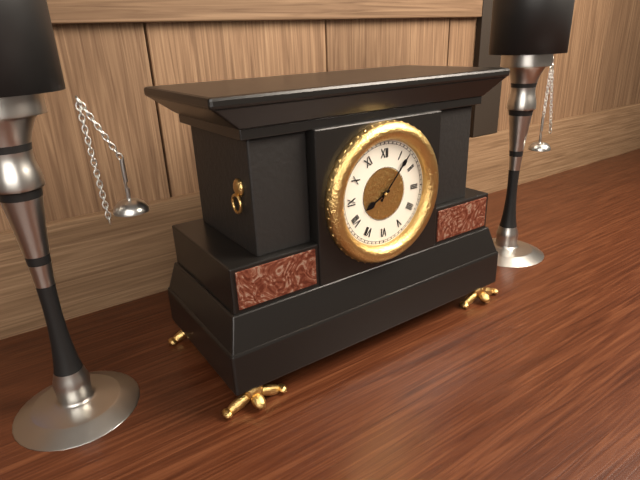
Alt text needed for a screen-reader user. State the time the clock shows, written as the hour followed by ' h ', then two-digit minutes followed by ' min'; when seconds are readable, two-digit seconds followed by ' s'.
8 h 07 min
